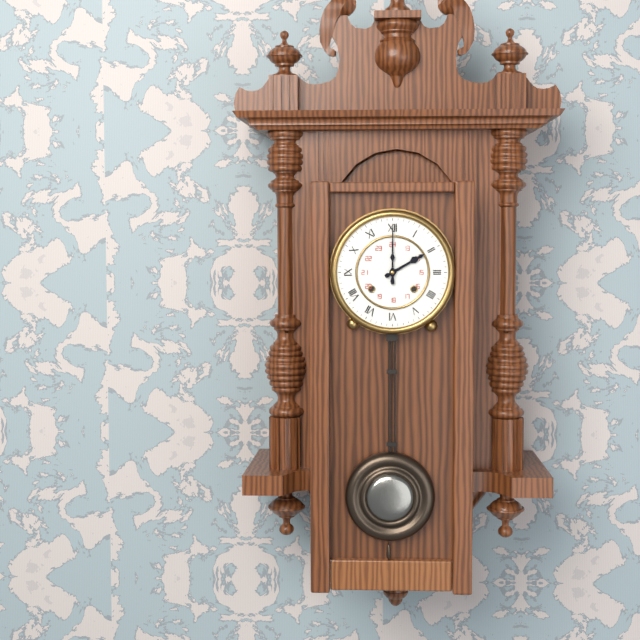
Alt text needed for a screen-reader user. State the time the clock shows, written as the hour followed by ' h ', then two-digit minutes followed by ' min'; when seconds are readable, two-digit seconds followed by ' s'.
2 h 00 min
